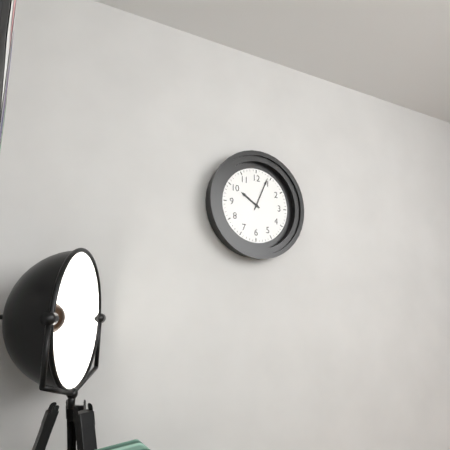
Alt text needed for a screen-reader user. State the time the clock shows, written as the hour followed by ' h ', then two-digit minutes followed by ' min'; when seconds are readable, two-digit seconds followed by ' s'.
10 h 04 min
